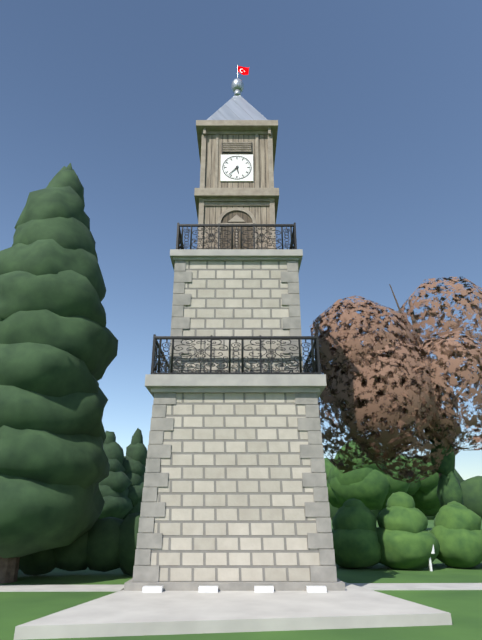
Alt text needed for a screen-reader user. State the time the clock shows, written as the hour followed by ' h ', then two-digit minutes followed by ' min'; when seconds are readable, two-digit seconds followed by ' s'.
5 h 37 min
